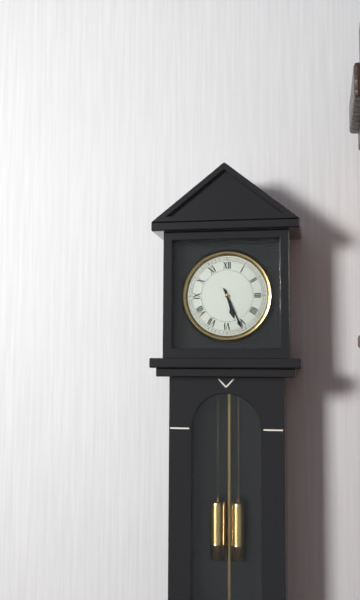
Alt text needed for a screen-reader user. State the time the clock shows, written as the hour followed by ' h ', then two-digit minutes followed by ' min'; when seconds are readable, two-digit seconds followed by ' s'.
5 h 26 min
